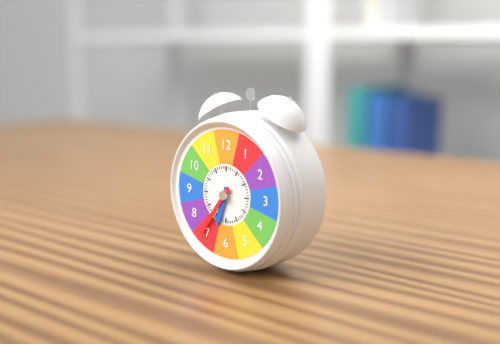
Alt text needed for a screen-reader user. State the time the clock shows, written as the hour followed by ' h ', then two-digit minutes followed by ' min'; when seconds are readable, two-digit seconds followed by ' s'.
6 h 36 min
